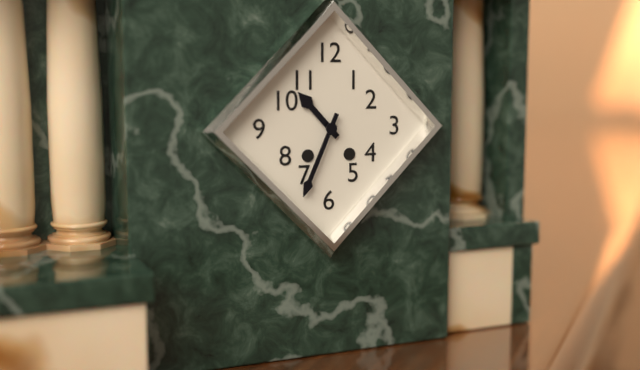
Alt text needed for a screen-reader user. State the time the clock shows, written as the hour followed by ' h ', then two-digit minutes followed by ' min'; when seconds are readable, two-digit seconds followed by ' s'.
10 h 34 min
